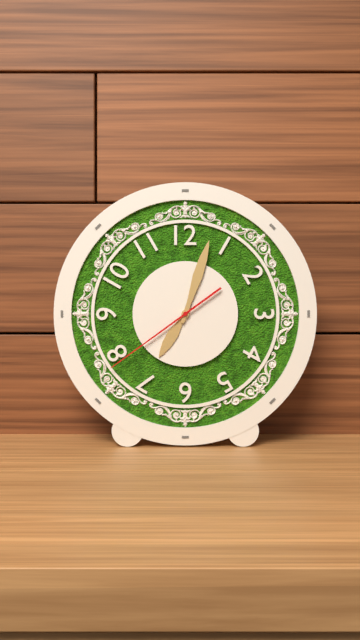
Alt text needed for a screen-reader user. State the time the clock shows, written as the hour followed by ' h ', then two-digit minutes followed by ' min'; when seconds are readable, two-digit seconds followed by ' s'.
7 h 03 min 39 s
